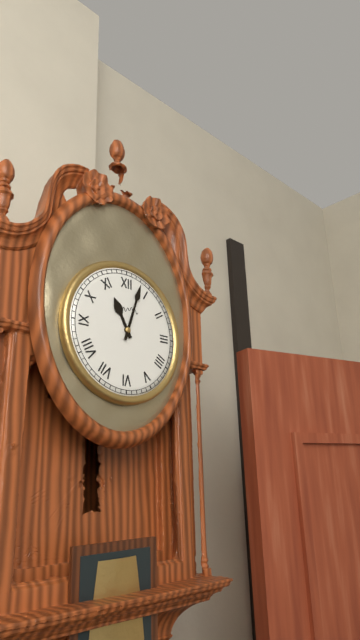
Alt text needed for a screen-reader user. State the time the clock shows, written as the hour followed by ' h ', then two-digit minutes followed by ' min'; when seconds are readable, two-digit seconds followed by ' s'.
11 h 03 min
